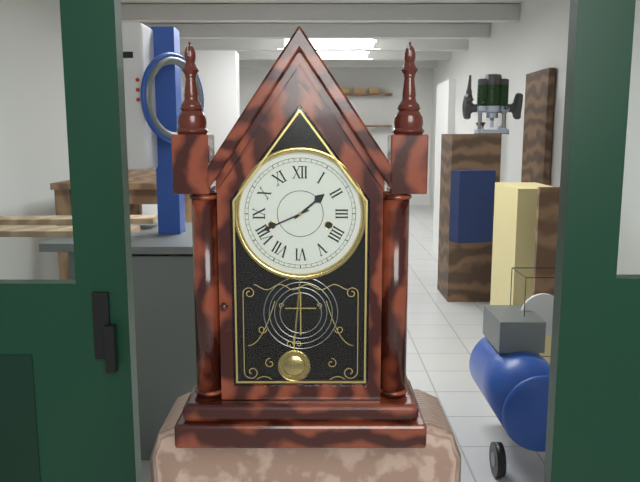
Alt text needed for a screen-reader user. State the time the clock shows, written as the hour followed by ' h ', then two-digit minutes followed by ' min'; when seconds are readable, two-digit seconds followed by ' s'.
1 h 41 min
